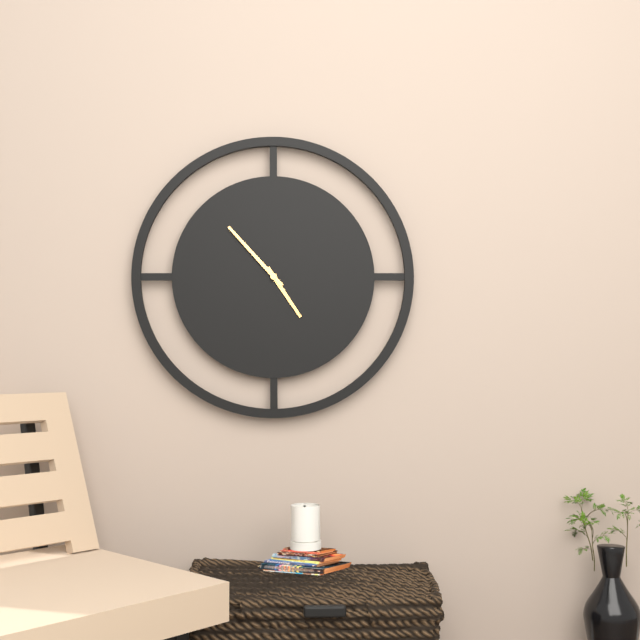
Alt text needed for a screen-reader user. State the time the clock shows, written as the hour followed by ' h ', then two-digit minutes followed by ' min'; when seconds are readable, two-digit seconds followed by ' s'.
4 h 53 min
